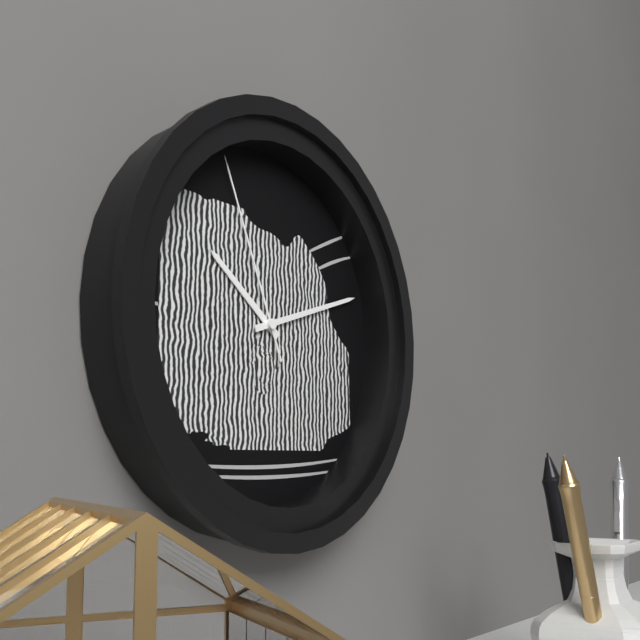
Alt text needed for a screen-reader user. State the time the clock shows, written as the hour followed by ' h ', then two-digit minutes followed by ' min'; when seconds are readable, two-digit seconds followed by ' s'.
10 h 12 min 56 s
